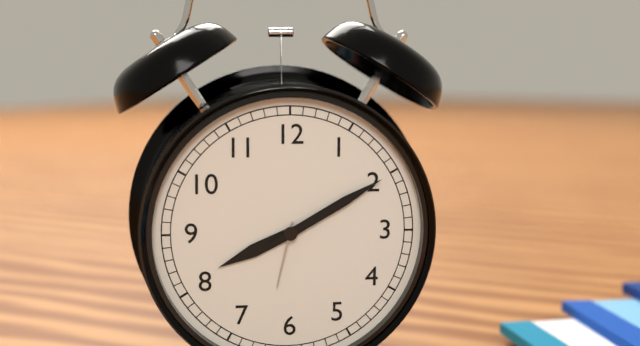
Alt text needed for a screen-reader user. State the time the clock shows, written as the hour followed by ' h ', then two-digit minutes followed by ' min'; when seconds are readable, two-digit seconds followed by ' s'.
8 h 10 min
